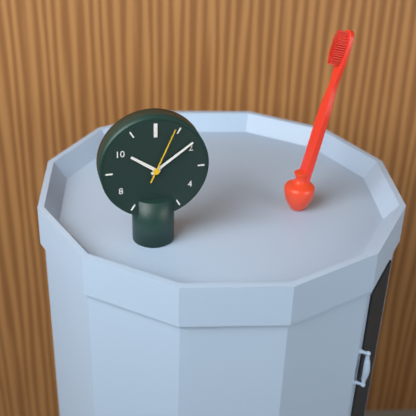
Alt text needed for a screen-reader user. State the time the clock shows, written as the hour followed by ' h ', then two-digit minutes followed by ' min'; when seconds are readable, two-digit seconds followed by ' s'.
10 h 09 min 04 s
